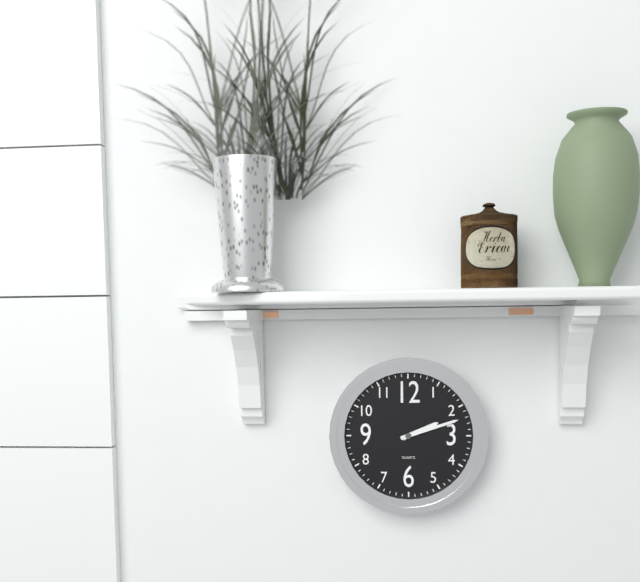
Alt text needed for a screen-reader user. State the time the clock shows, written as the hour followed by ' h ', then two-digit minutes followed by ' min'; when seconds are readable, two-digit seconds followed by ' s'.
2 h 12 min
